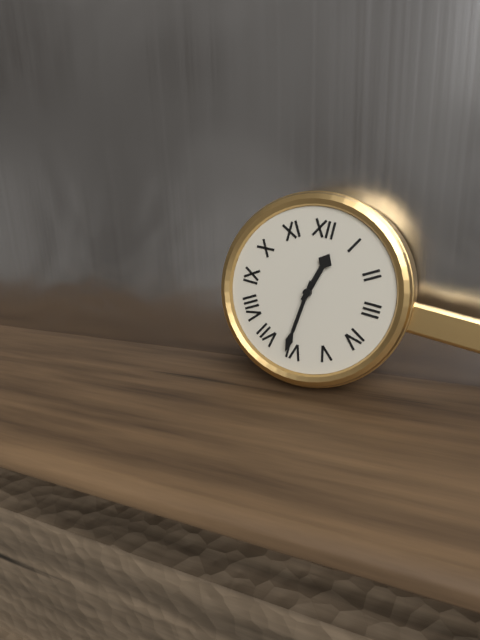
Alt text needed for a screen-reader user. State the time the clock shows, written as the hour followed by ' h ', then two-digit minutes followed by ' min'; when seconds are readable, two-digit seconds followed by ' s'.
12 h 31 min
